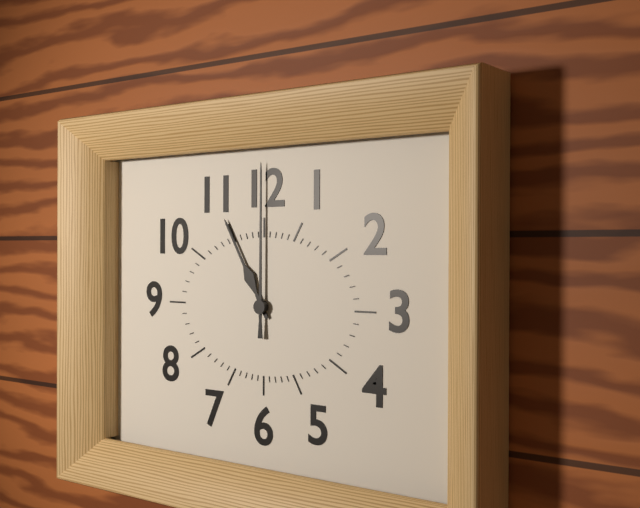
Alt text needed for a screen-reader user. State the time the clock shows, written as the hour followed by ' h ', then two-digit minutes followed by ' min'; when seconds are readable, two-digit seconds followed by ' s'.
11 h 00 min
